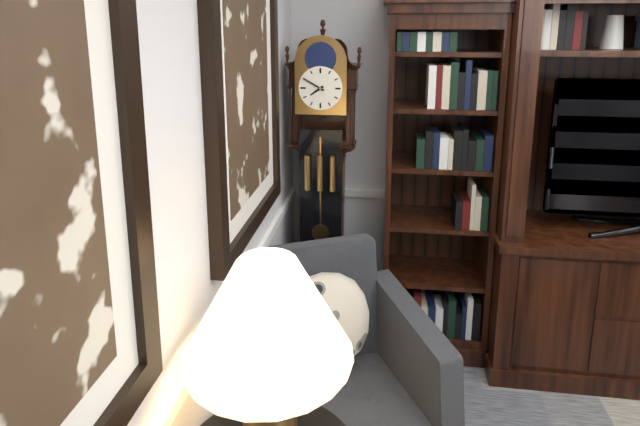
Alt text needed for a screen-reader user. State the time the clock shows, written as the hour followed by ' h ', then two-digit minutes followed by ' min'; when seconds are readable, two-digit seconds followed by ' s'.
7 h 50 min
